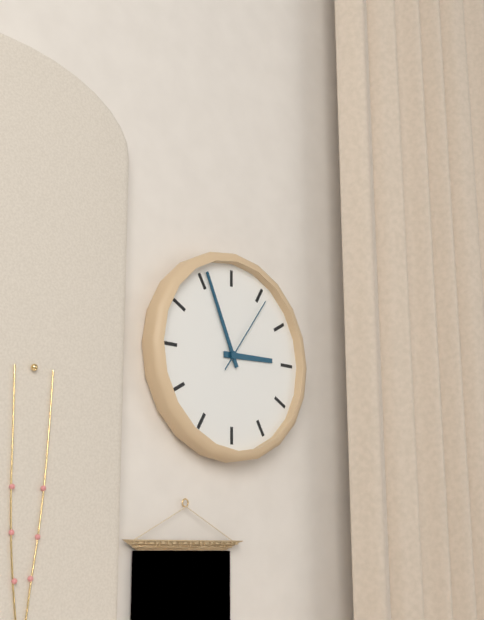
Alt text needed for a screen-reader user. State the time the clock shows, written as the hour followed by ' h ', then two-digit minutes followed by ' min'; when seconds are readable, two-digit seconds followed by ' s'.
2 h 56 min 06 s
